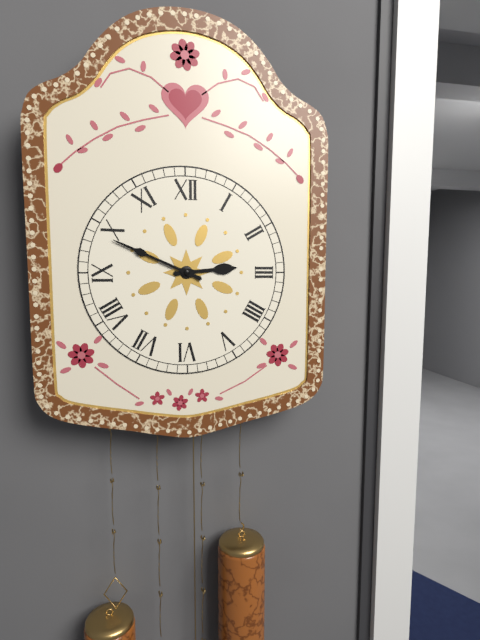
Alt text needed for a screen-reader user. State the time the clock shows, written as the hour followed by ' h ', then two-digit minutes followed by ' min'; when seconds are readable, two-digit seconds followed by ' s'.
2 h 49 min
